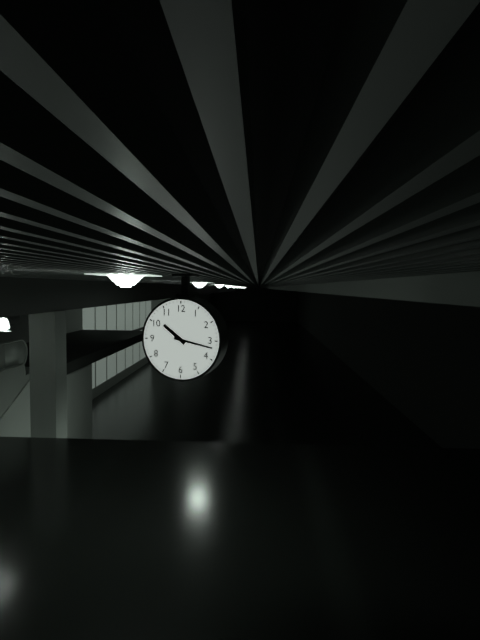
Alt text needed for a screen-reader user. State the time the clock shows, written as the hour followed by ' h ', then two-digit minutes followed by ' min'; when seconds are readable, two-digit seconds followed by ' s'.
10 h 17 min
